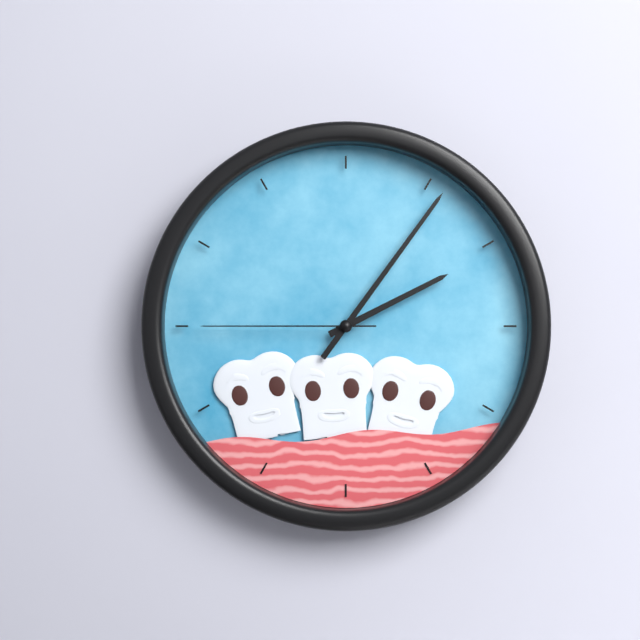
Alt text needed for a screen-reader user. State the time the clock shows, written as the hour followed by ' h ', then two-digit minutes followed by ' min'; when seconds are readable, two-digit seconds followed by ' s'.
2 h 06 min 45 s
